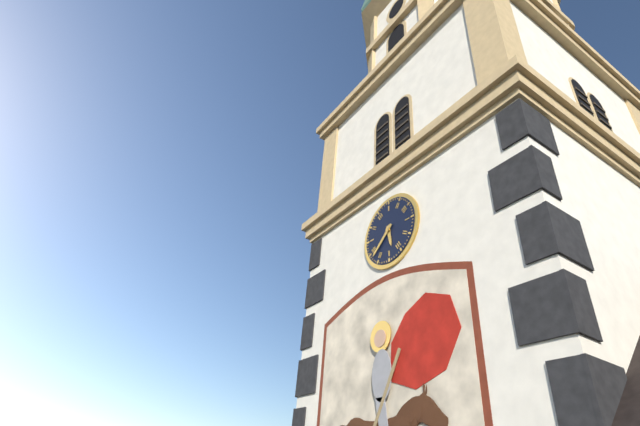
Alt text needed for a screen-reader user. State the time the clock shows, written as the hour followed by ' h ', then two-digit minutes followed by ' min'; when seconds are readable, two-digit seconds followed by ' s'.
5 h 38 min
